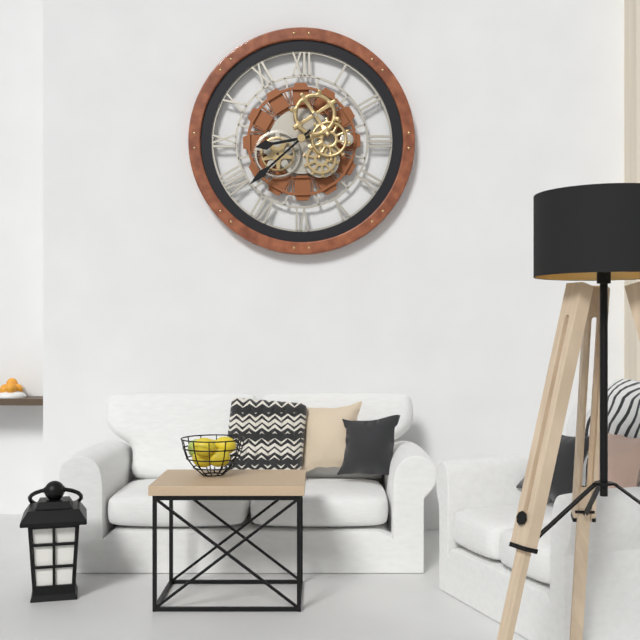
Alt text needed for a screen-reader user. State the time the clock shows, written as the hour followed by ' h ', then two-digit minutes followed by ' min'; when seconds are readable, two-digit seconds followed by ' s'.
8 h 38 min
